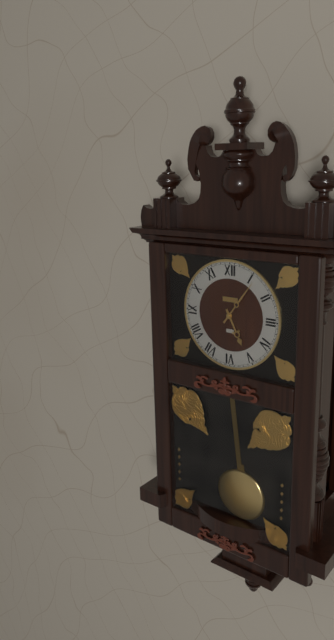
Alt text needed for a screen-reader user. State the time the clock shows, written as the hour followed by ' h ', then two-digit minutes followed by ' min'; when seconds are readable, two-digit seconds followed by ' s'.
5 h 06 min
